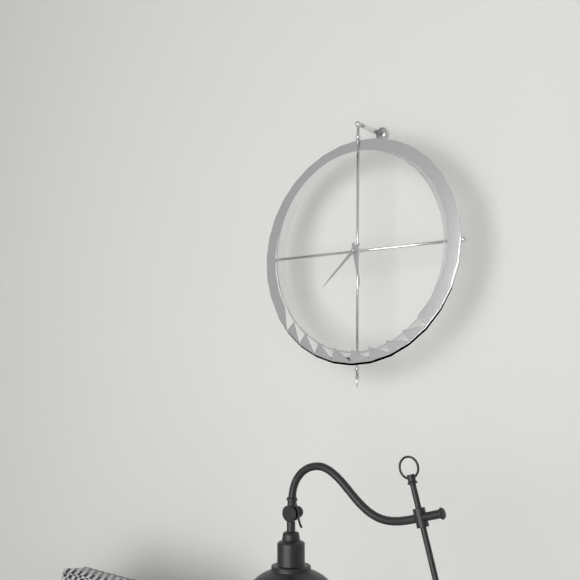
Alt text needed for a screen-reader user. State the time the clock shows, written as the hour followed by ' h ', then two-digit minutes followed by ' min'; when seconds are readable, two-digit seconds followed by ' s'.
5 h 38 min
